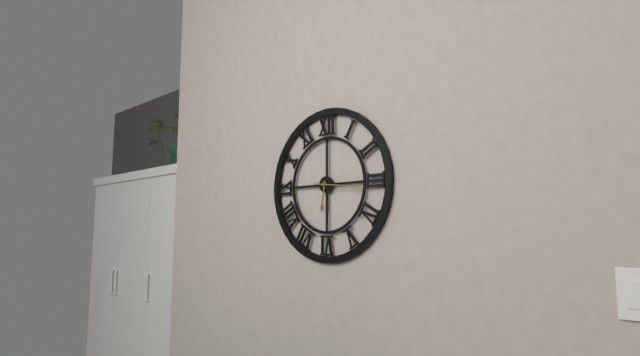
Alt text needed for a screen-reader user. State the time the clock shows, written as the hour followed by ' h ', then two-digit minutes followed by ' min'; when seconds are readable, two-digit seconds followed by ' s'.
6 h 16 min
